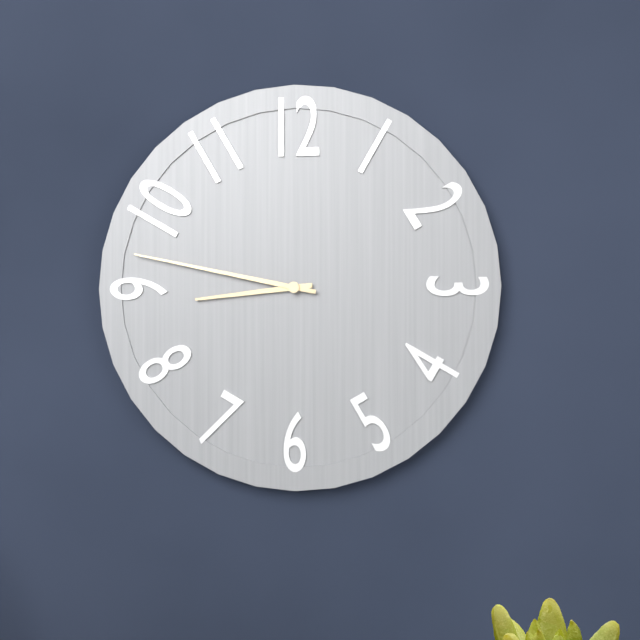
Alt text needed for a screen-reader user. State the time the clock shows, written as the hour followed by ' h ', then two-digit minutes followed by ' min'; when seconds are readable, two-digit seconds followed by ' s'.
8 h 47 min
